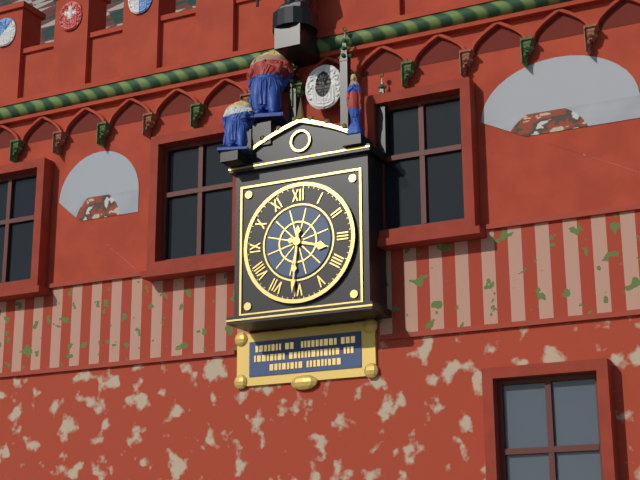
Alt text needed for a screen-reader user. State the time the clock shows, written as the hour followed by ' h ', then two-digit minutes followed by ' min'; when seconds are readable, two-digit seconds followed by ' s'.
3 h 31 min
